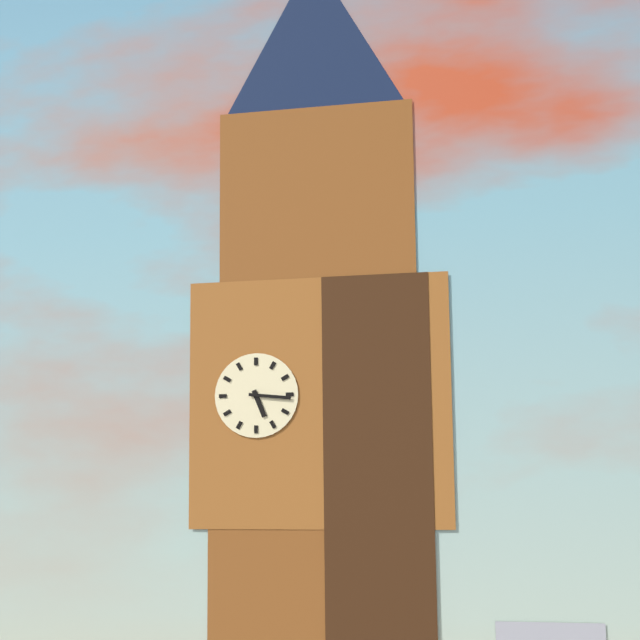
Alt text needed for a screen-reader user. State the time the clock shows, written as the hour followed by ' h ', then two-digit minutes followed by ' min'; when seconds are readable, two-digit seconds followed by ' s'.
5 h 16 min
